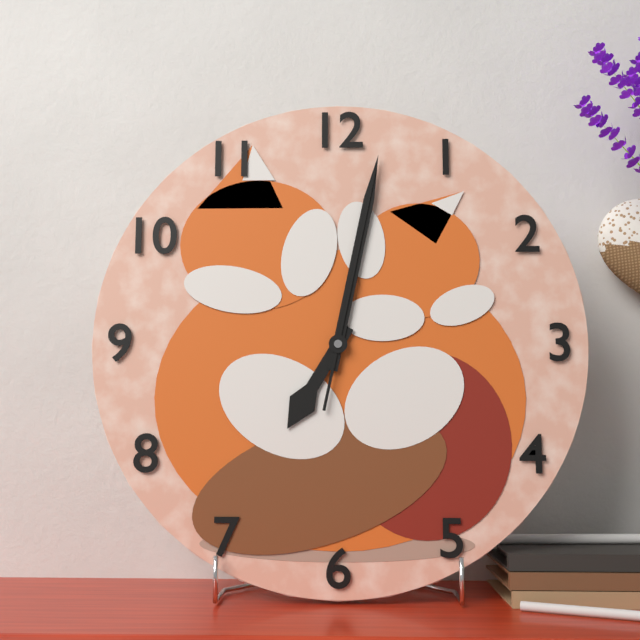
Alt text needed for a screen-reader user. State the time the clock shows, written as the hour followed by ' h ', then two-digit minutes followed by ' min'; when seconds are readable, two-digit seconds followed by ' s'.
7 h 02 min 02 s
